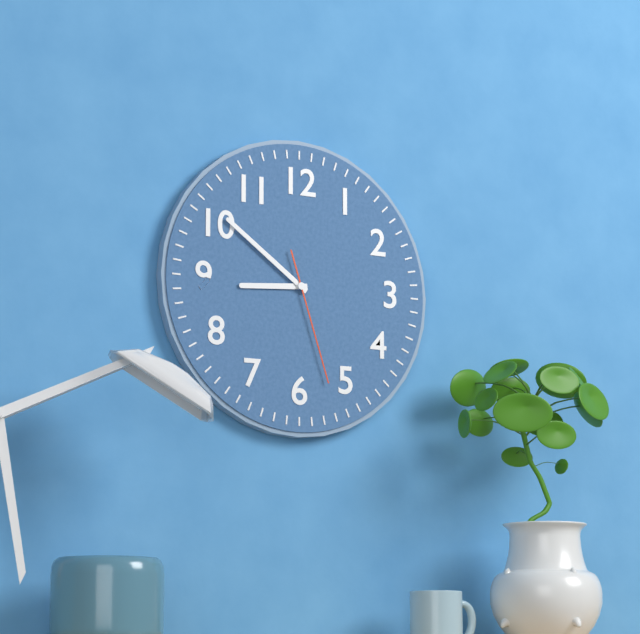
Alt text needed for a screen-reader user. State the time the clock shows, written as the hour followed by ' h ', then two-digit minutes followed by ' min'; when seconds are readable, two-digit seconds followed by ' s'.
8 h 51 min 27 s
